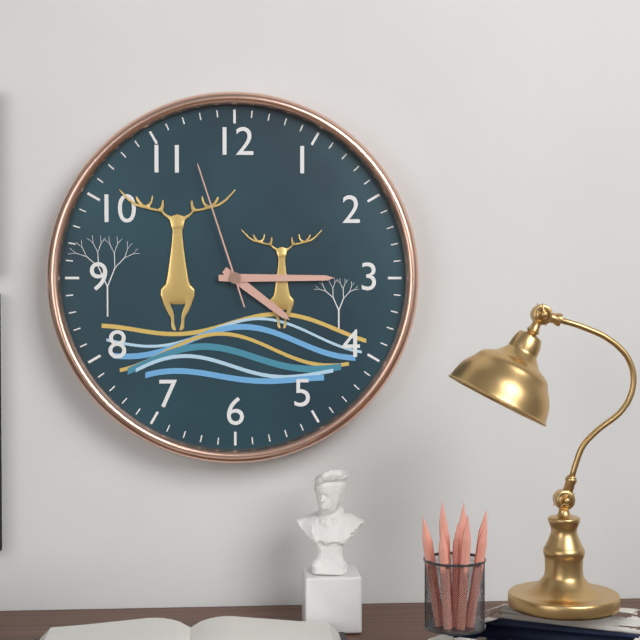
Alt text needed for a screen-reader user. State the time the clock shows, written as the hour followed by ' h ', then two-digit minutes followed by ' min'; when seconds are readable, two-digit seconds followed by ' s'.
4 h 15 min 57 s
